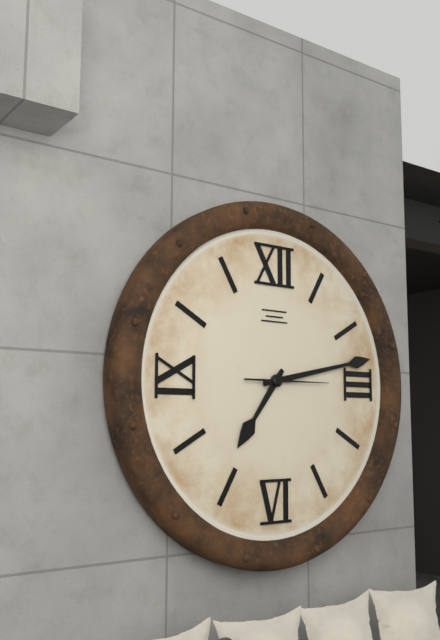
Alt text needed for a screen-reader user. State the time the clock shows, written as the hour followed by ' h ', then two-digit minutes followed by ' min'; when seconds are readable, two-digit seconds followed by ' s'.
7 h 13 min 15 s
